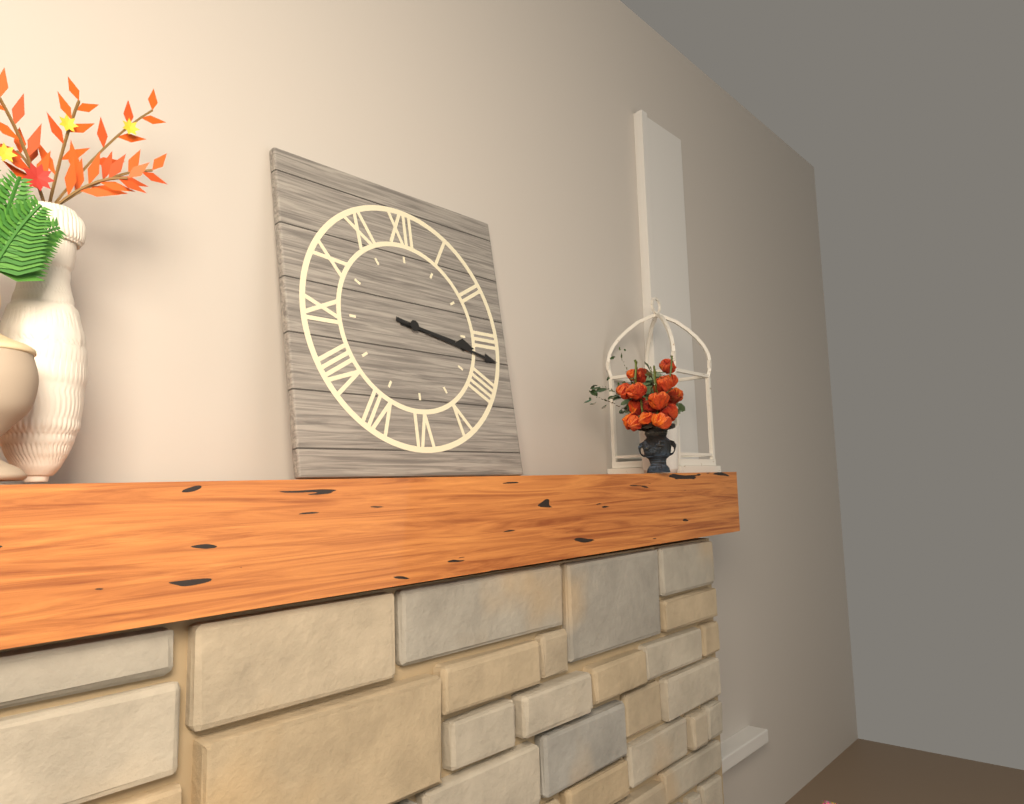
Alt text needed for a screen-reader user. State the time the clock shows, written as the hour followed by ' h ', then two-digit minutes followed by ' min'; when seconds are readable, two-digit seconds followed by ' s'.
3 h 17 min
